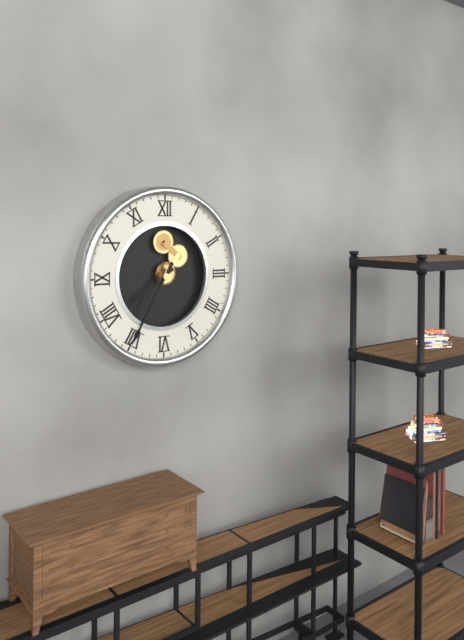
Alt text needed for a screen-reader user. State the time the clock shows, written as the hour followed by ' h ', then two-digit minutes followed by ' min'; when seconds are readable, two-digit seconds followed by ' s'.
7 h 35 min
